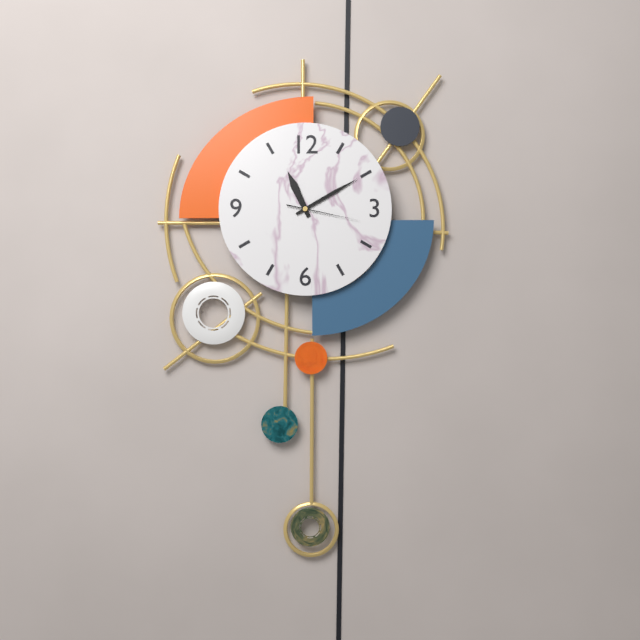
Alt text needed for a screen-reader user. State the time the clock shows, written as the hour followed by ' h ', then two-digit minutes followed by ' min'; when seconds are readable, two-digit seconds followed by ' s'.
11 h 10 min 17 s
